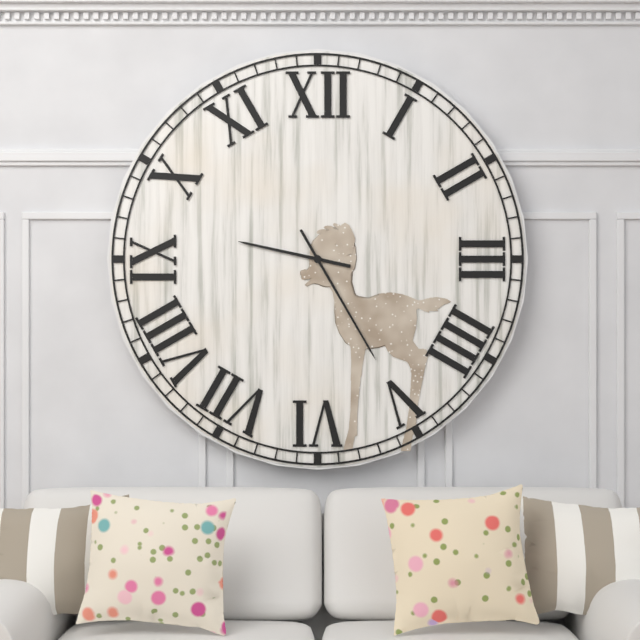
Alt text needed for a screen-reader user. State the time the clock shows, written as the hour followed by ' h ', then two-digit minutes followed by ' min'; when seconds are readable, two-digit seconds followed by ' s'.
9 h 25 min
